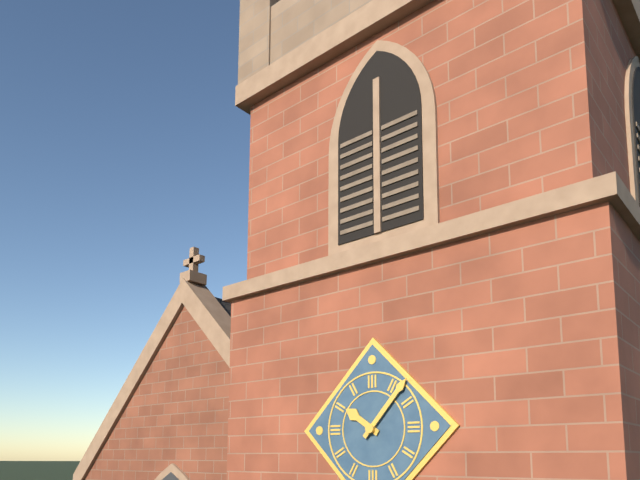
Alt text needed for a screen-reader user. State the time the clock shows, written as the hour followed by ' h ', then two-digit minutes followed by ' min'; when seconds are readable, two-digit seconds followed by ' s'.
10 h 07 min
